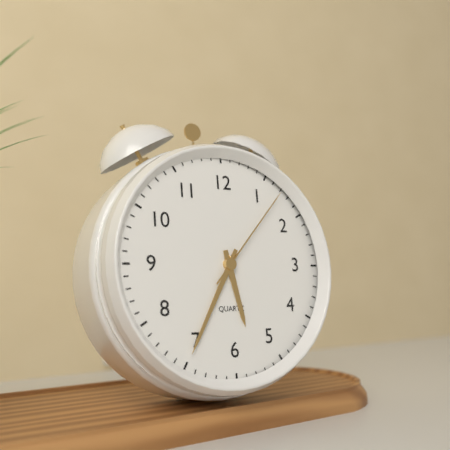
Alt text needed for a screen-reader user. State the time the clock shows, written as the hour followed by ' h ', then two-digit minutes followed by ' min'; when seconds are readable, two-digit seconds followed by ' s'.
5 h 35 min 07 s
